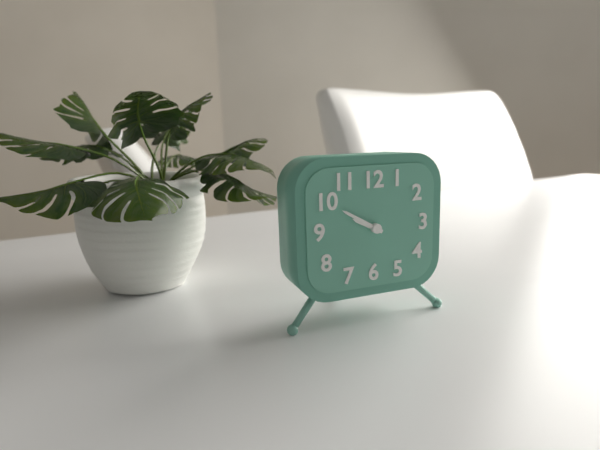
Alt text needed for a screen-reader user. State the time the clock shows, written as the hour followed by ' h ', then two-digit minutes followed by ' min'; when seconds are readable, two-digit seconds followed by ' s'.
9 h 50 min
